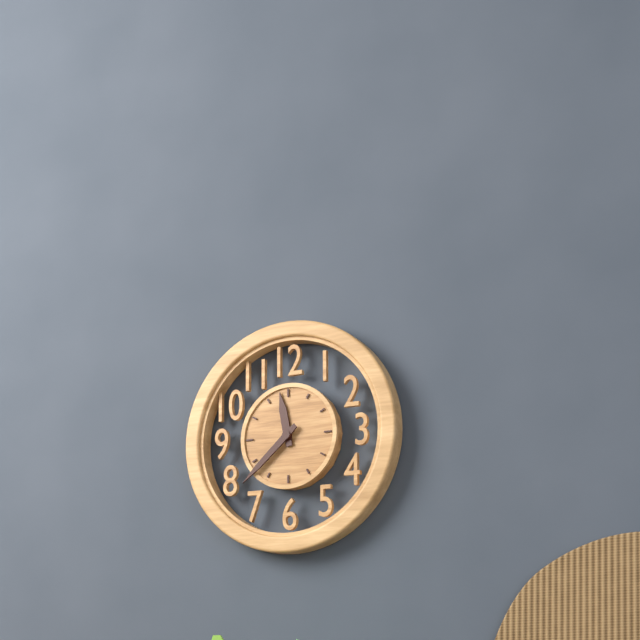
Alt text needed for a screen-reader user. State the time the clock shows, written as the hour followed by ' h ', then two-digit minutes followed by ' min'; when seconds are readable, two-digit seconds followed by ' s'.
11 h 38 min
